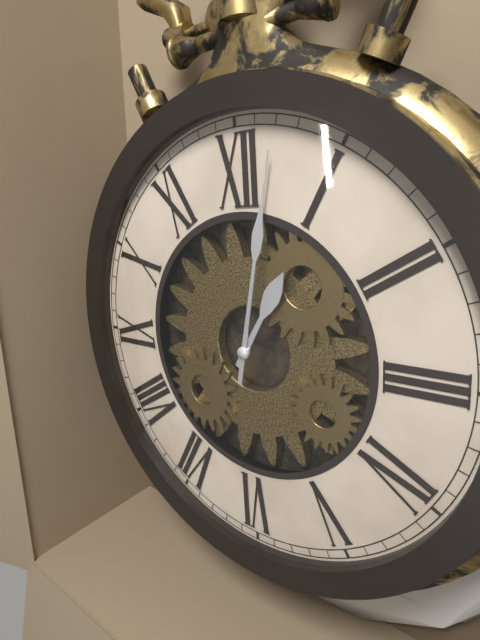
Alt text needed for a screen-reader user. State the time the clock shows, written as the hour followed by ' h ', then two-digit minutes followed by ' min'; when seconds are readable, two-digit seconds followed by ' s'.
1 h 02 min
